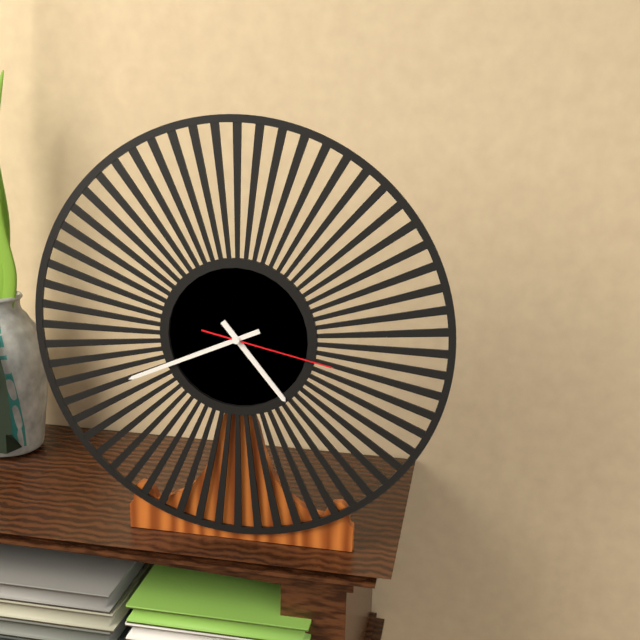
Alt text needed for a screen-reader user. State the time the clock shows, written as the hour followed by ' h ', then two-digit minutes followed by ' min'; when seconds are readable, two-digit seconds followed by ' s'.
4 h 41 min 17 s
